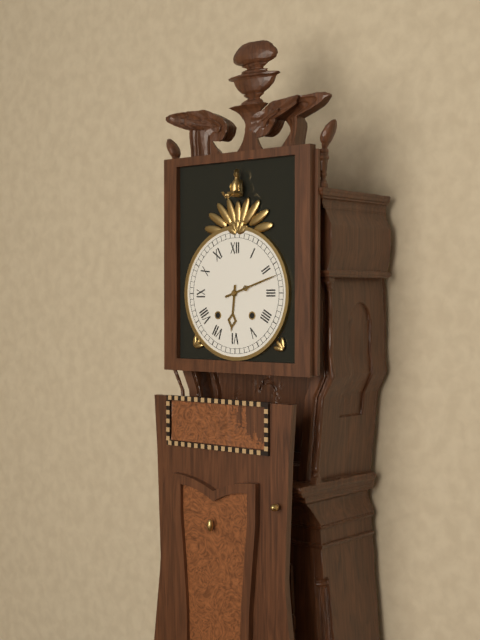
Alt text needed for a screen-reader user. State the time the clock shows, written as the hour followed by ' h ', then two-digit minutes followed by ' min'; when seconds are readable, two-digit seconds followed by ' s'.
6 h 12 min
